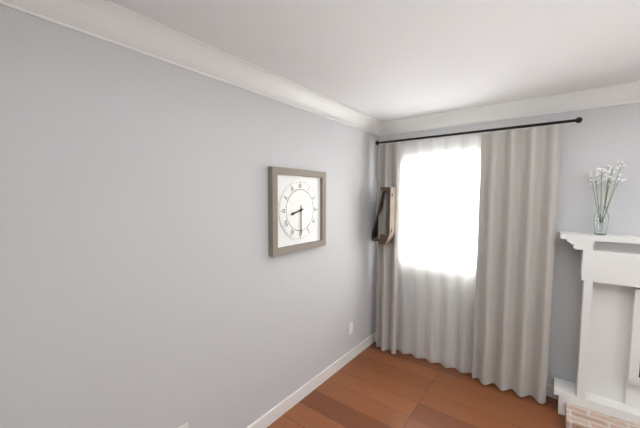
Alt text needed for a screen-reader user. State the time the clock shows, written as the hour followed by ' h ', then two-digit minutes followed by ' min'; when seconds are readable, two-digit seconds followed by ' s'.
8 h 30 min
